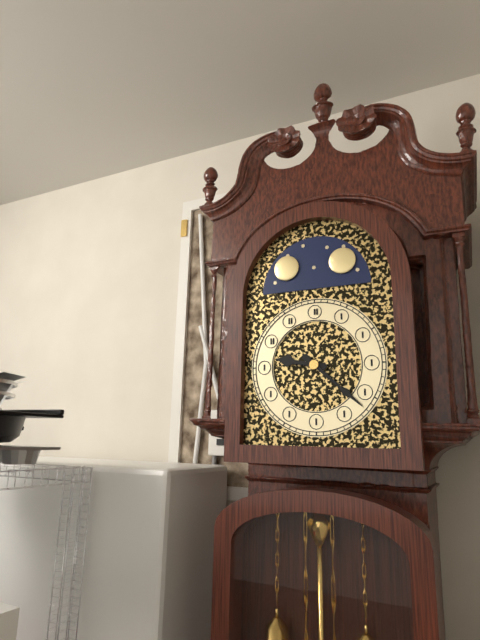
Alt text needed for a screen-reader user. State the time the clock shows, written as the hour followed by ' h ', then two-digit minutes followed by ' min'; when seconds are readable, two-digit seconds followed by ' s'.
9 h 22 min
